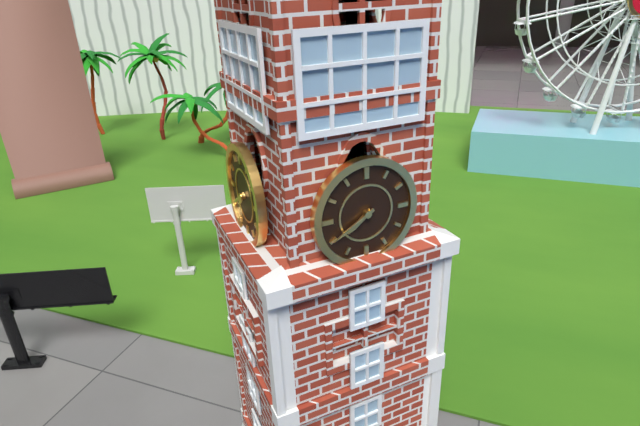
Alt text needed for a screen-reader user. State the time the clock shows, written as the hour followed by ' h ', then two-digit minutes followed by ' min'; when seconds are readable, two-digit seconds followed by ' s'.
7 h 40 min
